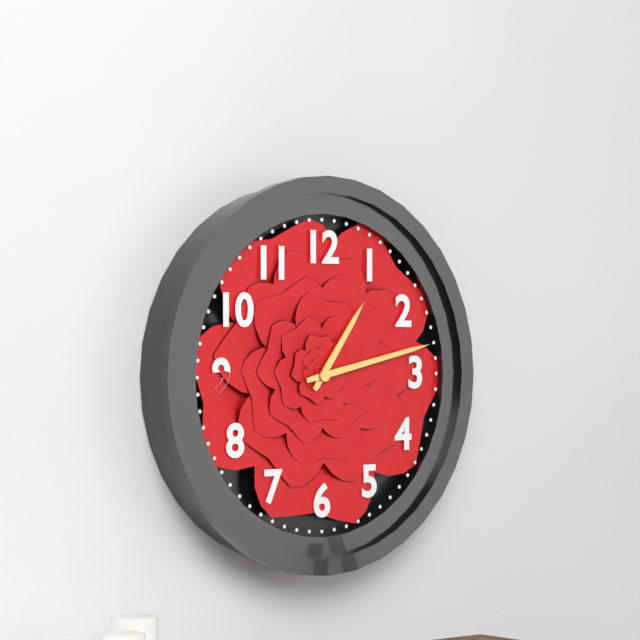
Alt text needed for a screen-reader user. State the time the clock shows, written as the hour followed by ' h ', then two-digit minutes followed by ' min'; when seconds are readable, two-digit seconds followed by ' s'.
1 h 13 min
